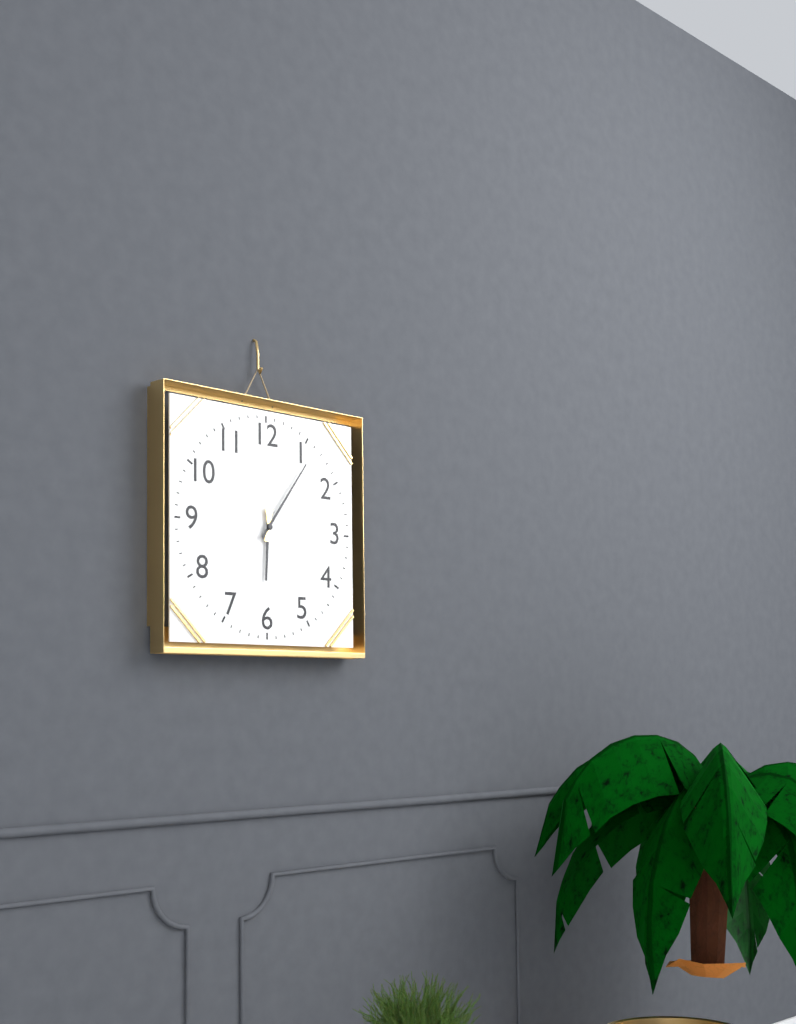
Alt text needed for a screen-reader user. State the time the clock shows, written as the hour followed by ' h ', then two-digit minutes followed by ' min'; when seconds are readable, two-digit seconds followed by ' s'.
6 h 06 min
